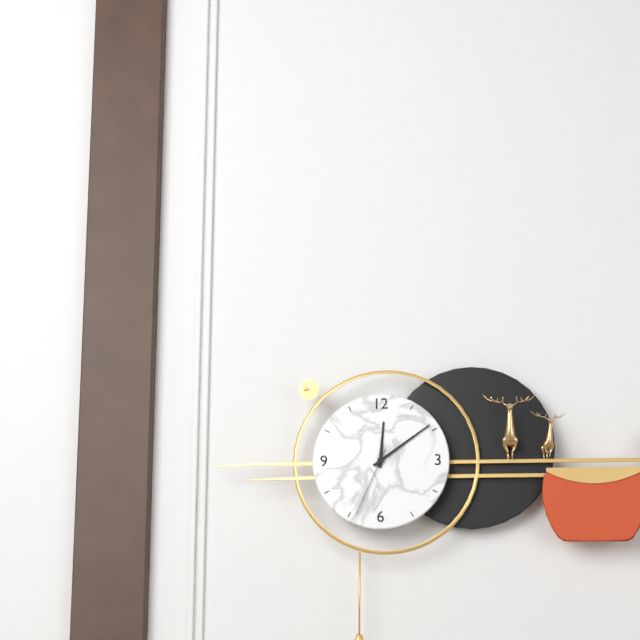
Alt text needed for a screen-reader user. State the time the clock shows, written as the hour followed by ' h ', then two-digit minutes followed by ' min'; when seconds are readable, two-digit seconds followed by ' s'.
12 h 09 min 34 s
